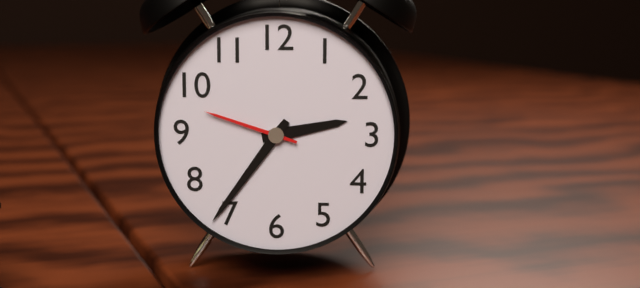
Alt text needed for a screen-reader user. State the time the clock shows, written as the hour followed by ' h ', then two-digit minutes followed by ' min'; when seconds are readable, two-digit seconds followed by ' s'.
2 h 36 min 48 s
